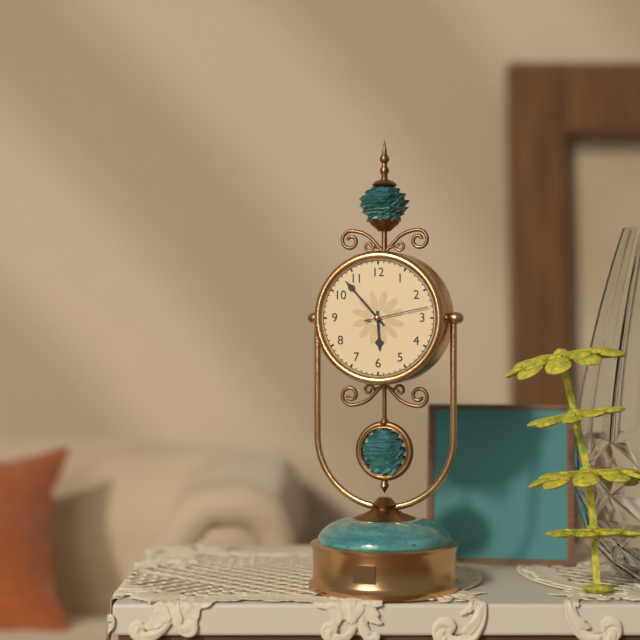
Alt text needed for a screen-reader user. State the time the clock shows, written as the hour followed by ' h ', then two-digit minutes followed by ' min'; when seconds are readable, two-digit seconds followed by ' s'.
5 h 53 min 13 s
